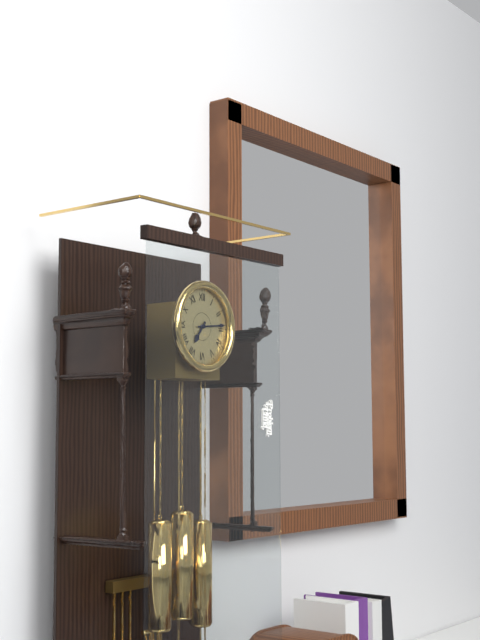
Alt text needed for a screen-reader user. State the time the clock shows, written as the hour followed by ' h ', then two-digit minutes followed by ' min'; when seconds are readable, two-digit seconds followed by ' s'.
7 h 14 min
